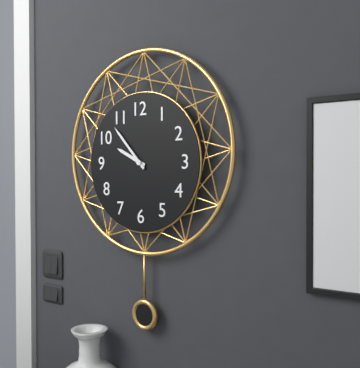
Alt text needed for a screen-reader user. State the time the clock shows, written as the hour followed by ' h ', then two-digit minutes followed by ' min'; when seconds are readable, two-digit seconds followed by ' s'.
9 h 53 min
